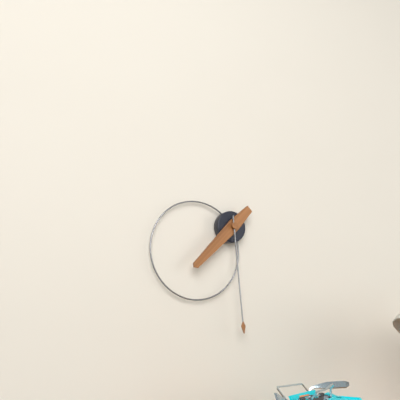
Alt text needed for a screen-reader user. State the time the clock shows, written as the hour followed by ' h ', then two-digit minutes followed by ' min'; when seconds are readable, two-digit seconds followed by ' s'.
7 h 29 min
